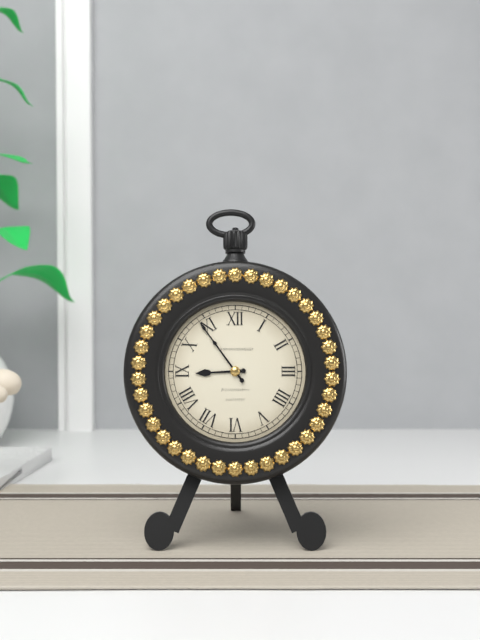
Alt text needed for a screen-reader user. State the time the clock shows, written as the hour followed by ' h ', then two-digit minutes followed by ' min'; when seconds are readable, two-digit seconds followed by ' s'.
8 h 54 min
